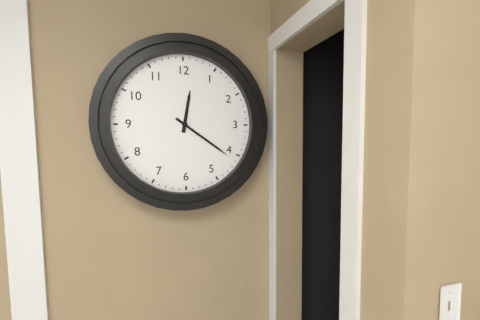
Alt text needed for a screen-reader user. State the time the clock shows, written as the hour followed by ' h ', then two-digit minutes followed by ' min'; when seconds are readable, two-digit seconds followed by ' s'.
12 h 21 min
